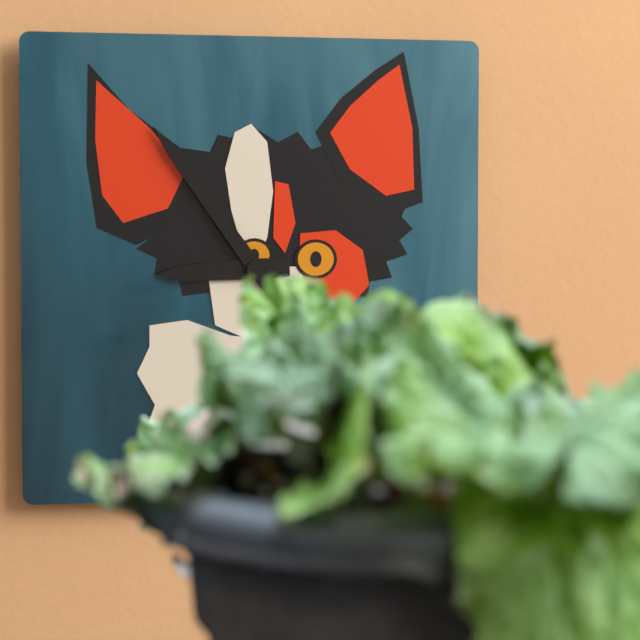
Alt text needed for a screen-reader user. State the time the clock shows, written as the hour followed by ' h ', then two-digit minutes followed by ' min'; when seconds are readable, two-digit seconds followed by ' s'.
8 h 54 min
